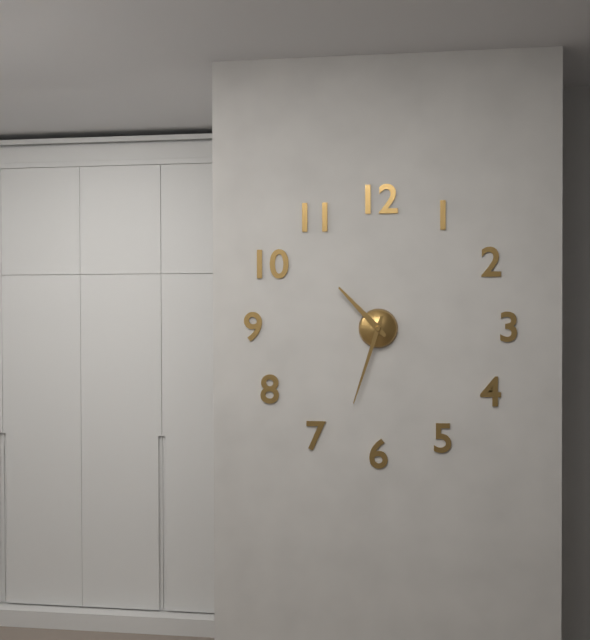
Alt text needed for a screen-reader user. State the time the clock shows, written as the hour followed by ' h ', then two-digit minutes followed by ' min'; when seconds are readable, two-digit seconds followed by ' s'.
10 h 33 min
